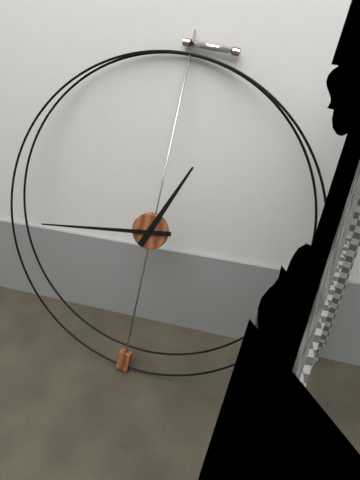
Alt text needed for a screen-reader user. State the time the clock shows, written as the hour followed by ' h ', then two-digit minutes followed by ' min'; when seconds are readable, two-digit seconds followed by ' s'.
12 h 43 min
